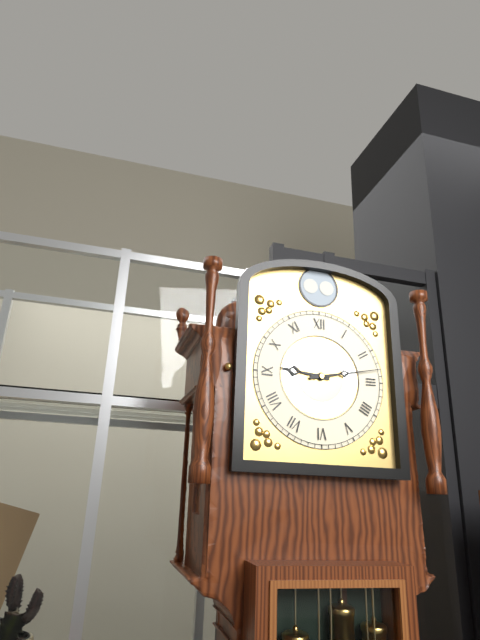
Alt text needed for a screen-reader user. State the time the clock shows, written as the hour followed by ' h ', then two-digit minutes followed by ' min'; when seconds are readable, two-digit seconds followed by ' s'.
9 h 13 min
